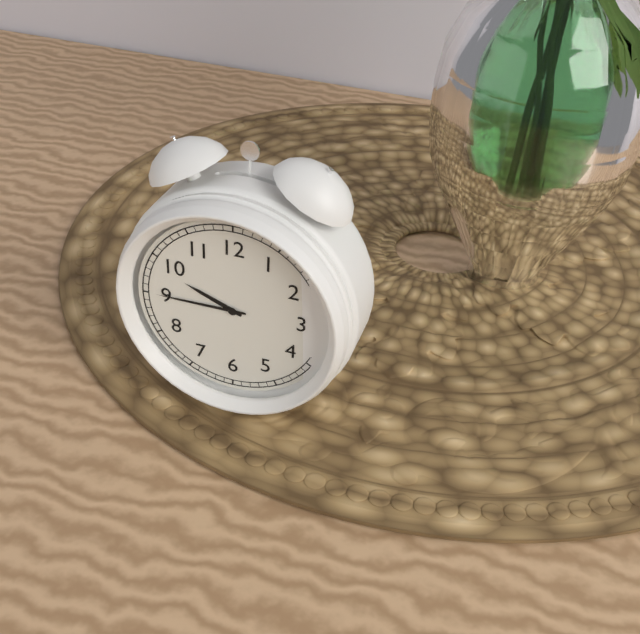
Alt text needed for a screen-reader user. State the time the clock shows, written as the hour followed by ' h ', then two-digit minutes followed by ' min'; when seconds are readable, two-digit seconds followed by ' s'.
9 h 45 min
